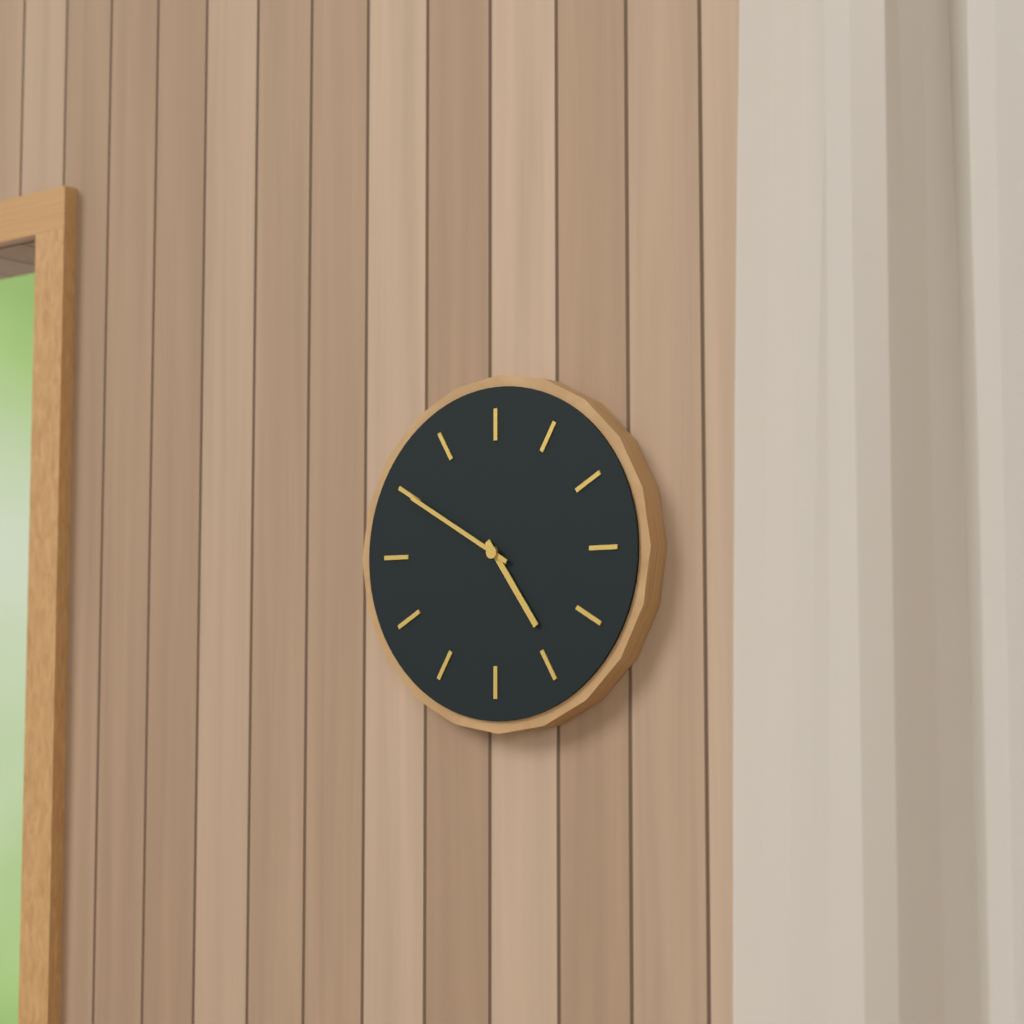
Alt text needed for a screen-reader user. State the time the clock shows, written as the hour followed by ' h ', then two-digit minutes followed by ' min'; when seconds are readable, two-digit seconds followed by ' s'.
4 h 50 min
